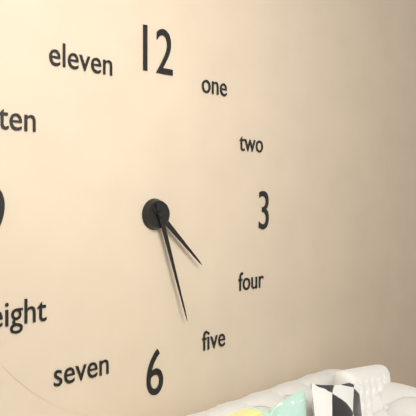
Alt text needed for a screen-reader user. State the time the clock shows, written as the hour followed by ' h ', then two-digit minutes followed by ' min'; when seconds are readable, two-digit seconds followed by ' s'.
4 h 27 min
